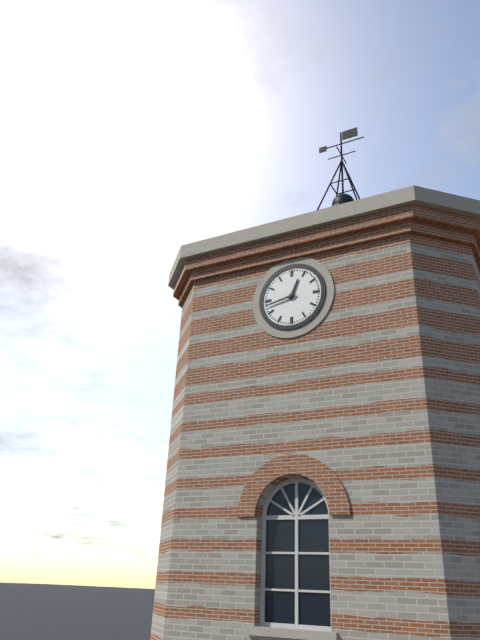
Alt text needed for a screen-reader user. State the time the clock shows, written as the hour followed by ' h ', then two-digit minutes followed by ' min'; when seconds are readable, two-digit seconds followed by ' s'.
12 h 43 min
